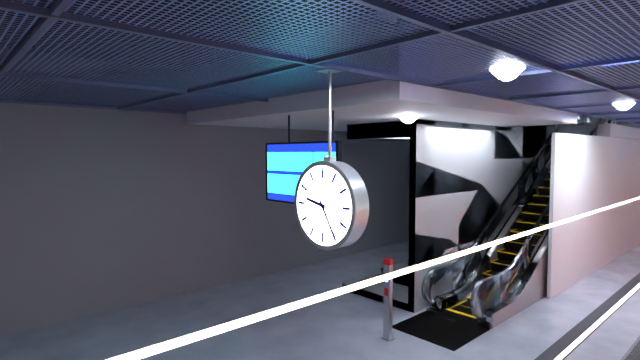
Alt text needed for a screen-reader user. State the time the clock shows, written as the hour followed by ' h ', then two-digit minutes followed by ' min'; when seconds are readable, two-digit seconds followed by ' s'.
9 h 25 min
